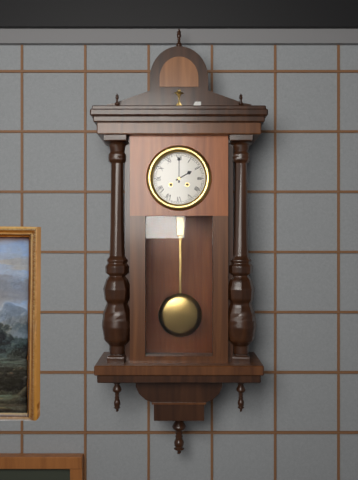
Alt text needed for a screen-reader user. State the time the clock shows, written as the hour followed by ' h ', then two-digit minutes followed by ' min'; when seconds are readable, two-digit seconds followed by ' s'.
2 h 00 min
